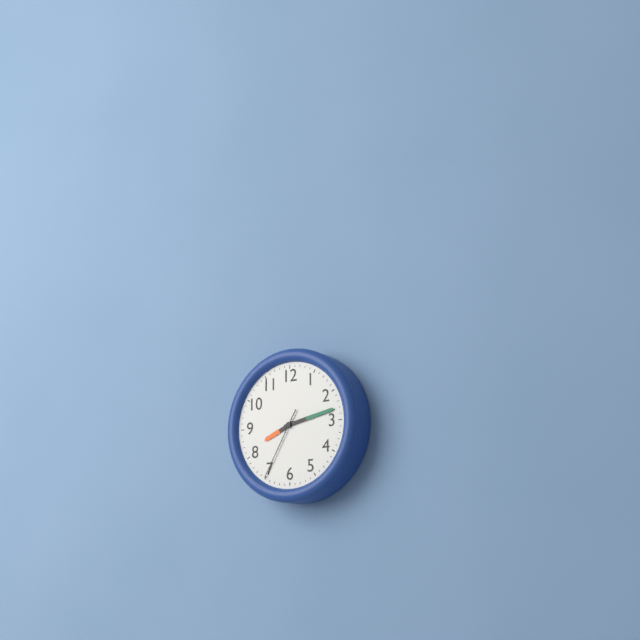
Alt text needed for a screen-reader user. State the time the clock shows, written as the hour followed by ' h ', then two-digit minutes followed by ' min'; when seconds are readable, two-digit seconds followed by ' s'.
8 h 13 min 35 s
